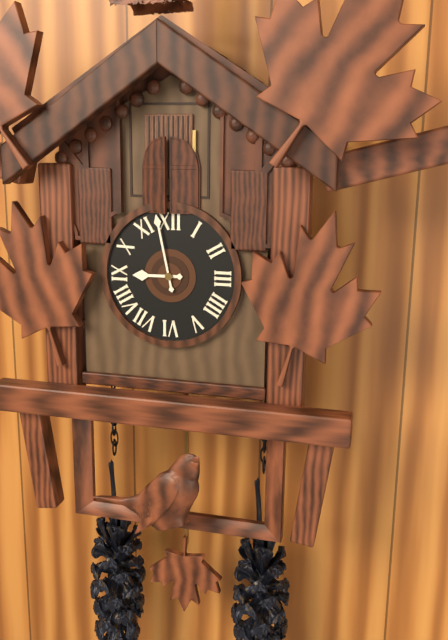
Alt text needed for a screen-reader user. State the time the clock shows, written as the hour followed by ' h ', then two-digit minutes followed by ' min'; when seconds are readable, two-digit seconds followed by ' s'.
8 h 58 min
